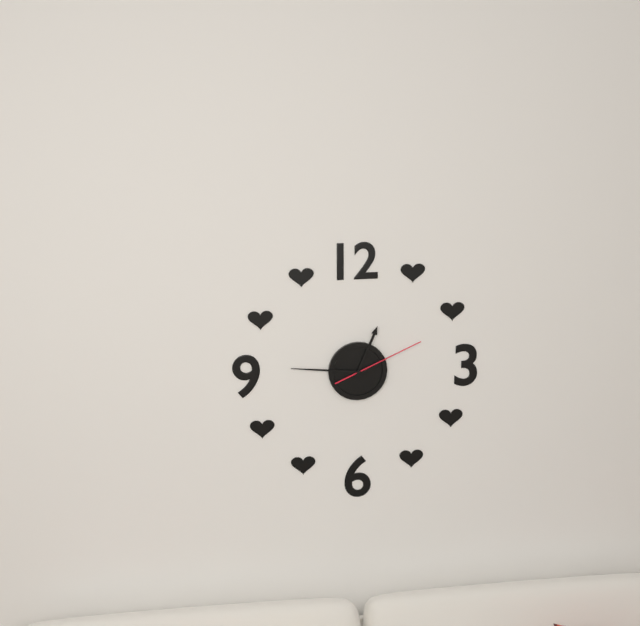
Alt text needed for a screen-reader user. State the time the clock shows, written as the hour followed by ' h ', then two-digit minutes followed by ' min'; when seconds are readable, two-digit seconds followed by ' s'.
12 h 46 min 11 s
